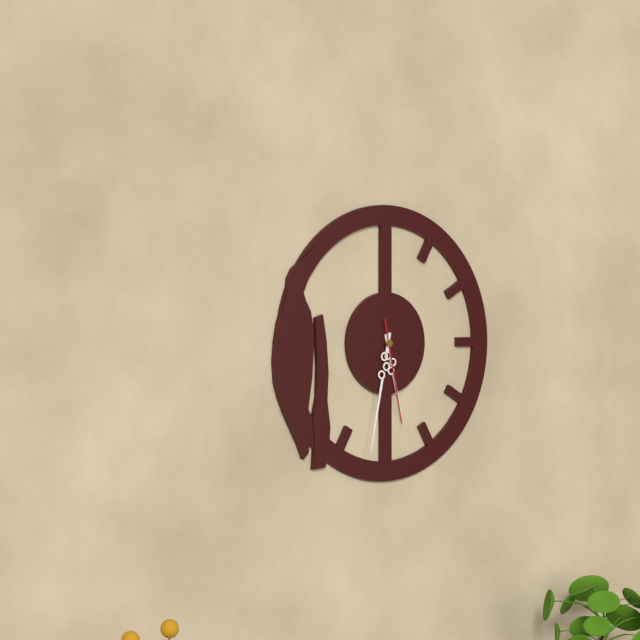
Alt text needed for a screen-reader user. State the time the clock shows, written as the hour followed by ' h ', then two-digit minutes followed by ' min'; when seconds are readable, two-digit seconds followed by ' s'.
5 h 32 min 28 s
